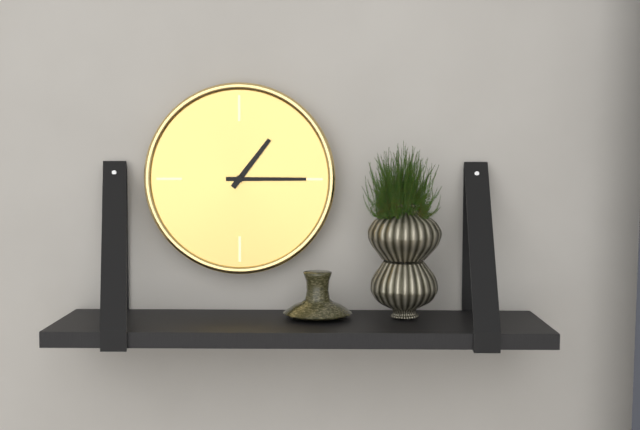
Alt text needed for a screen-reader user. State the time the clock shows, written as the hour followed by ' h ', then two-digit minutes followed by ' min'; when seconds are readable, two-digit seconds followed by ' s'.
1 h 15 min
